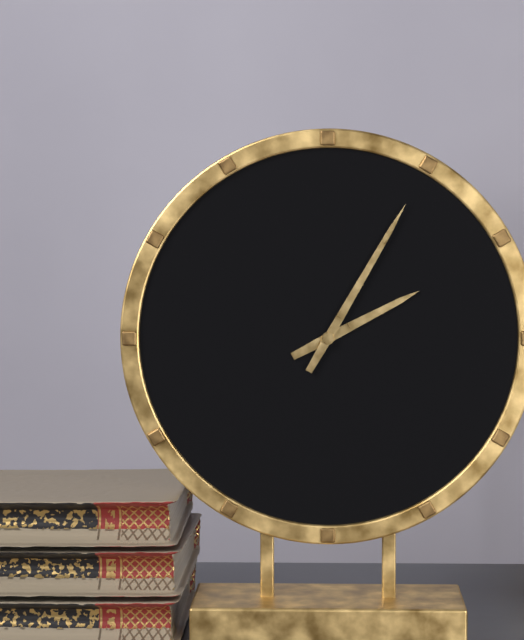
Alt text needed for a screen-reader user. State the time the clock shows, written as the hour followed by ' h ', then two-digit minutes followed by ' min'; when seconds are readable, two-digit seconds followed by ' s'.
2 h 05 min
